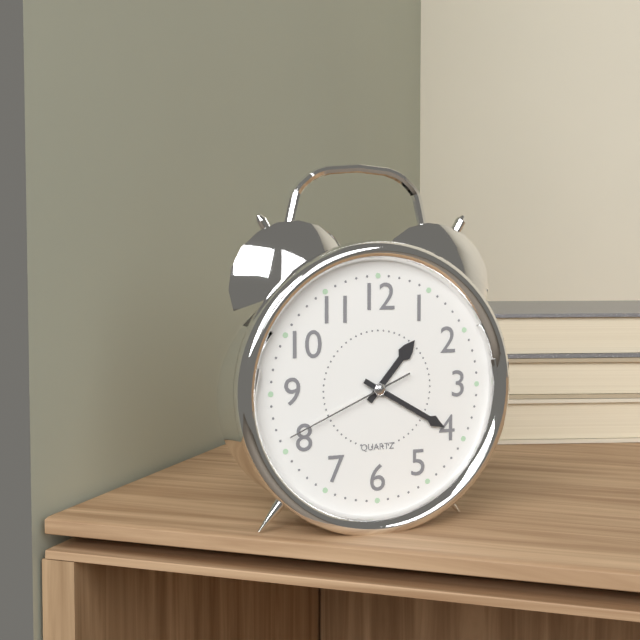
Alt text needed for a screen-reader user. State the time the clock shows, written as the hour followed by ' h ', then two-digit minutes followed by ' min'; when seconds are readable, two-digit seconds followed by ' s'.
1 h 20 min 41 s
